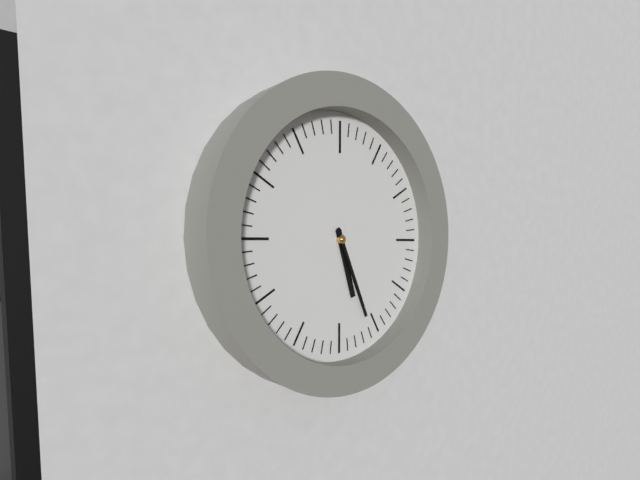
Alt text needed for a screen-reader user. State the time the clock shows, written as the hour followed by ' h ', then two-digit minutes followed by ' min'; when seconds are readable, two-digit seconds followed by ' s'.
5 h 26 min
